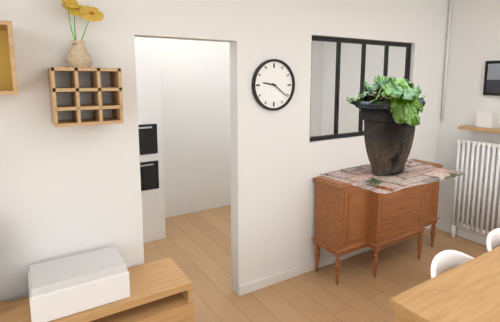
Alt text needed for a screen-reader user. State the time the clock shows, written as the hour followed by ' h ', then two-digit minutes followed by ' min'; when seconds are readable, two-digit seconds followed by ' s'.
9 h 21 min
